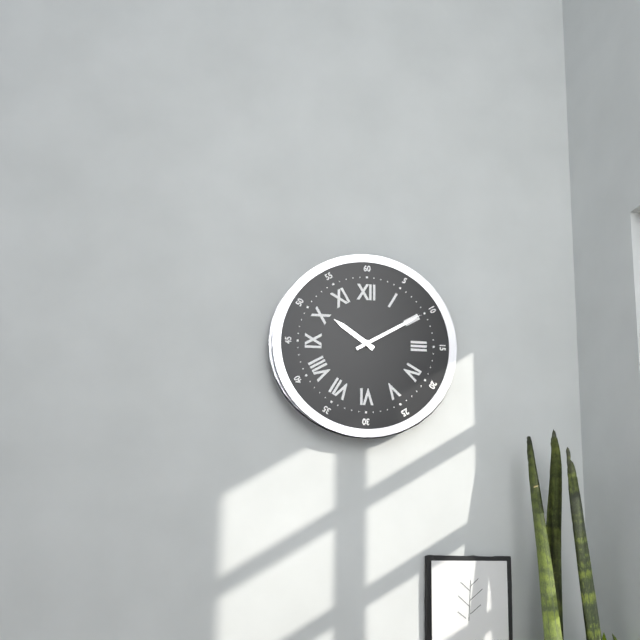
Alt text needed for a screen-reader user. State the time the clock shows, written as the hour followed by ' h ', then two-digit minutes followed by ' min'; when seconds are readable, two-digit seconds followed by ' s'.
10 h 10 min
